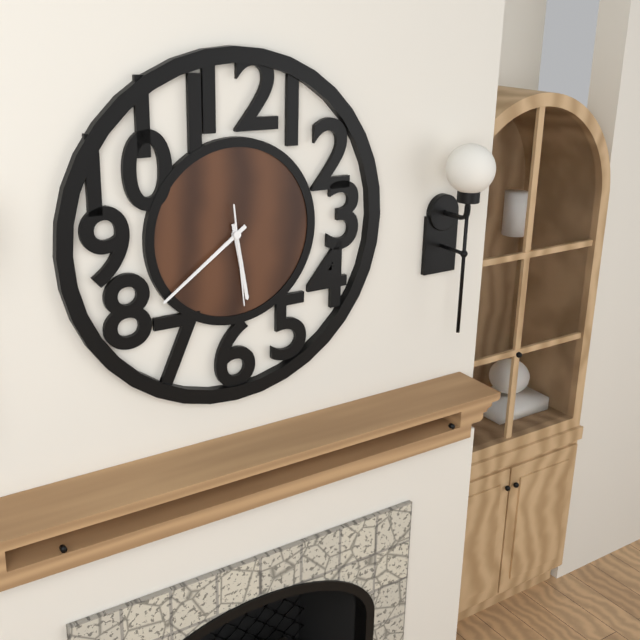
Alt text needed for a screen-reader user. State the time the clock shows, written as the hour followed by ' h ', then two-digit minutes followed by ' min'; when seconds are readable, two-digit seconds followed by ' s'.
5 h 39 min 29 s
